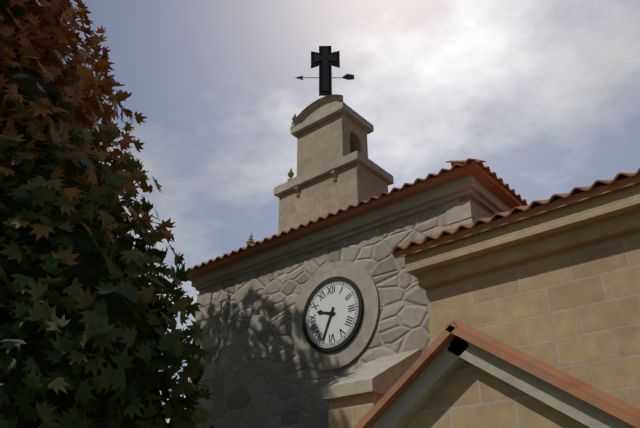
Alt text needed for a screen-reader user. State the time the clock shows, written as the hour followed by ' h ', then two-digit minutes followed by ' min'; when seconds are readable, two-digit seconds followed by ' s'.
9 h 34 min
